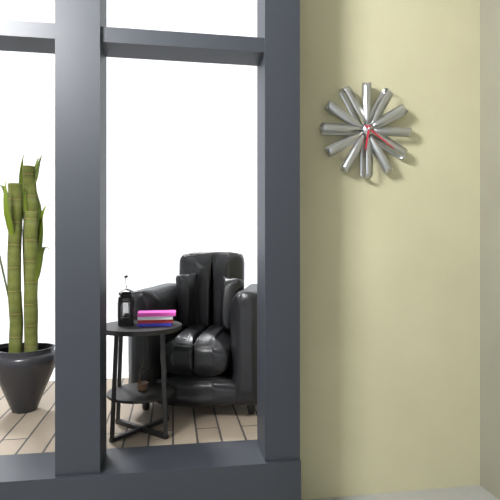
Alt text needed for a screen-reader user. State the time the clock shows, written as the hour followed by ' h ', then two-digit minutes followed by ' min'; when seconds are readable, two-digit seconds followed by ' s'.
6 h 21 min
